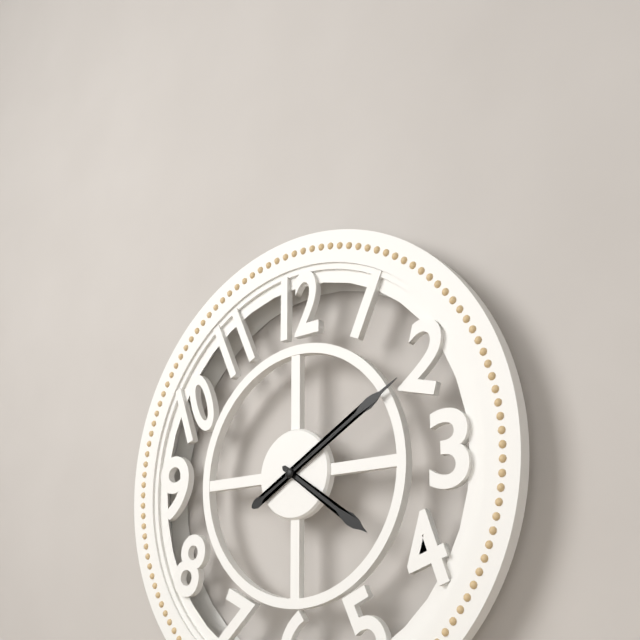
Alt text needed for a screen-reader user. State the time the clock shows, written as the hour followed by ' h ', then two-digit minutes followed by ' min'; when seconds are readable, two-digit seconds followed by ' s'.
4 h 10 min
